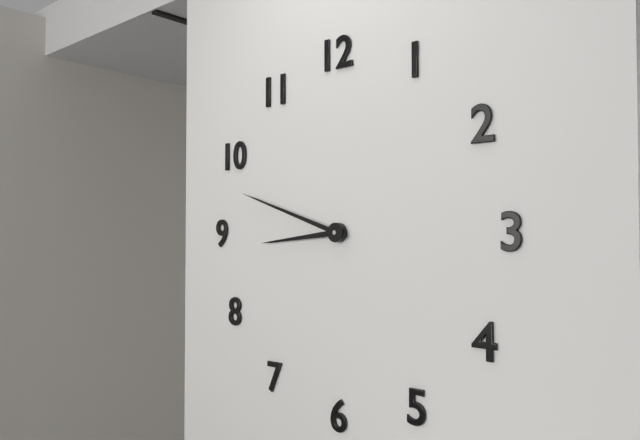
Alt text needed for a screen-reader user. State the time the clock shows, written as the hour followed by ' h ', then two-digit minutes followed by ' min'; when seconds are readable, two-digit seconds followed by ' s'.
8 h 48 min
